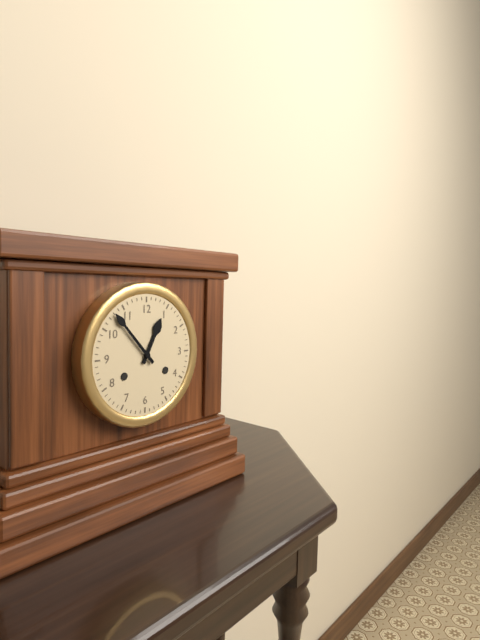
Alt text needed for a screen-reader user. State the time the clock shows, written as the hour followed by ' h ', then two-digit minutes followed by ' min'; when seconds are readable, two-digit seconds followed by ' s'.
12 h 53 min
